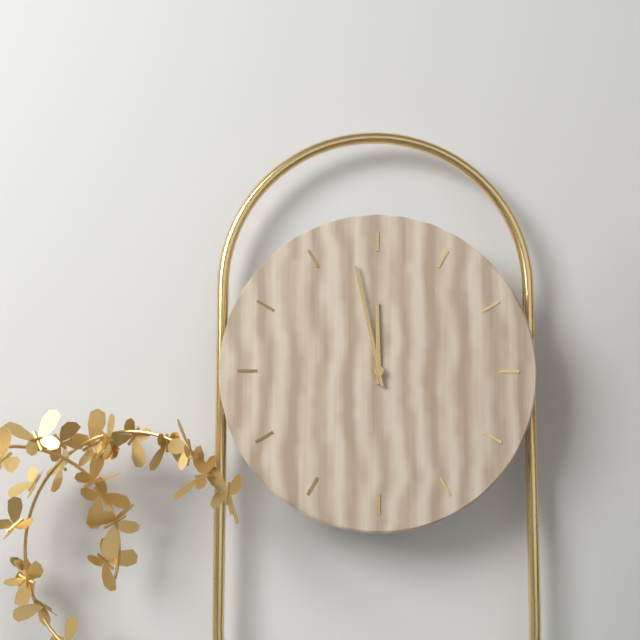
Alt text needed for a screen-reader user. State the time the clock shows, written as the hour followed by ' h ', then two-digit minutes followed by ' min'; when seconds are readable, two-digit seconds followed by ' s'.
11 h 58 min
